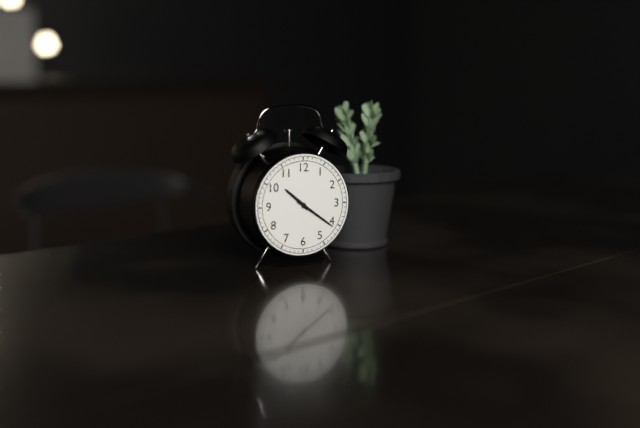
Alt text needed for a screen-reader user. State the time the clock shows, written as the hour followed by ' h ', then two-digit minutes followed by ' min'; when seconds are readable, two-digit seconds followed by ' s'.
10 h 21 min
